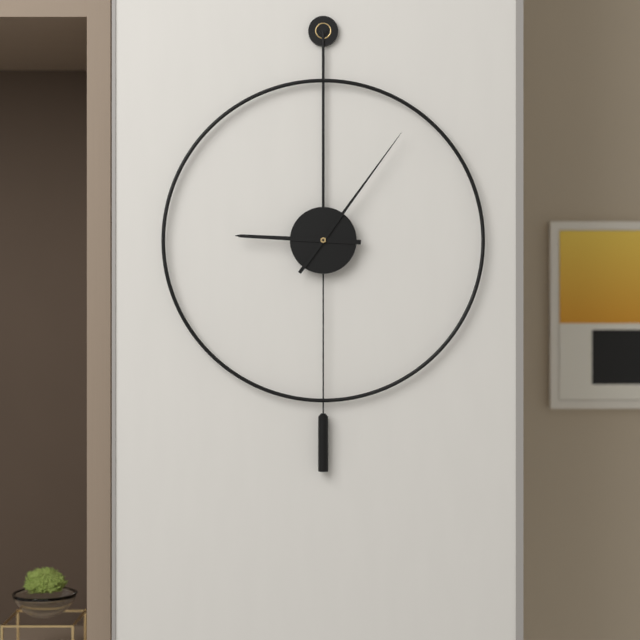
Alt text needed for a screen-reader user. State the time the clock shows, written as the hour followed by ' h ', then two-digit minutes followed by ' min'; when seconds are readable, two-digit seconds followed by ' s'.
9 h 06 min
